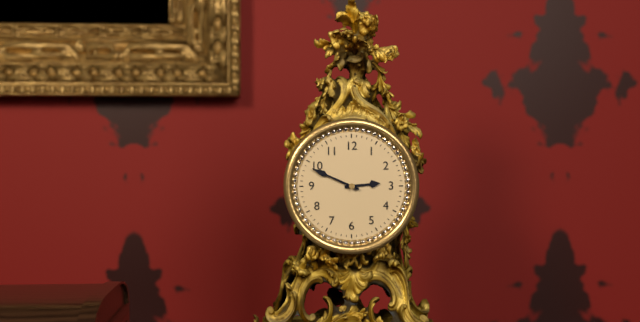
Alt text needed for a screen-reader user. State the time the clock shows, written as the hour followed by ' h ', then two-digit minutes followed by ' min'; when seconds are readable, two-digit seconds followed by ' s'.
2 h 49 min
